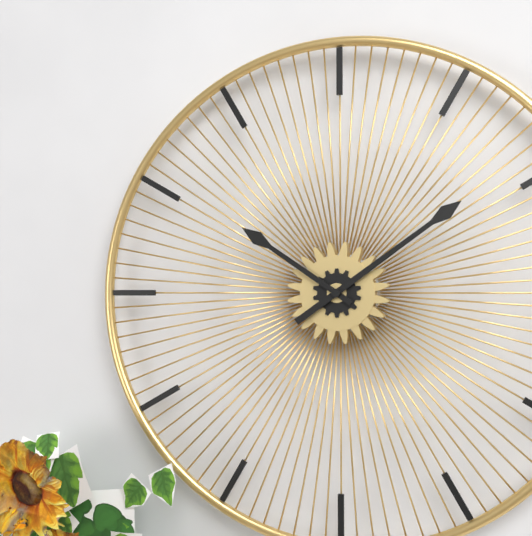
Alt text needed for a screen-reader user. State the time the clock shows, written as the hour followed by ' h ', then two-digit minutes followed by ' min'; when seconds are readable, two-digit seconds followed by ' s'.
10 h 09 min
